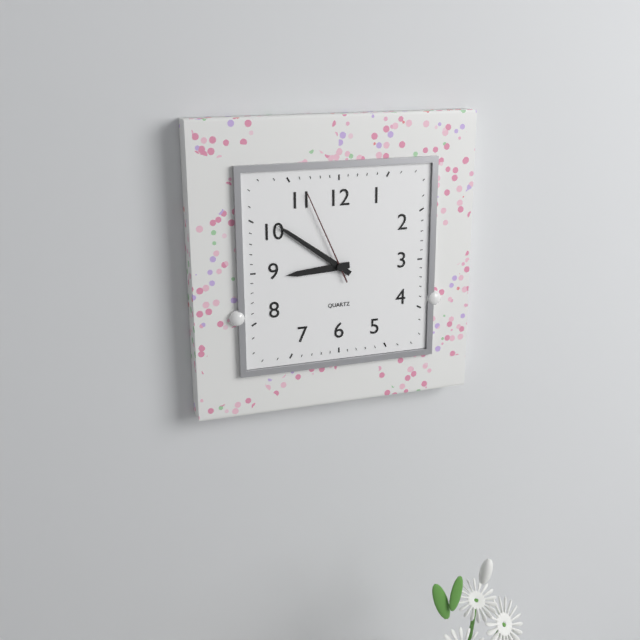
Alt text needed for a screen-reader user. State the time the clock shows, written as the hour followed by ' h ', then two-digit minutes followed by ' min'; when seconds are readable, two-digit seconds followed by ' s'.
8 h 51 min 56 s
